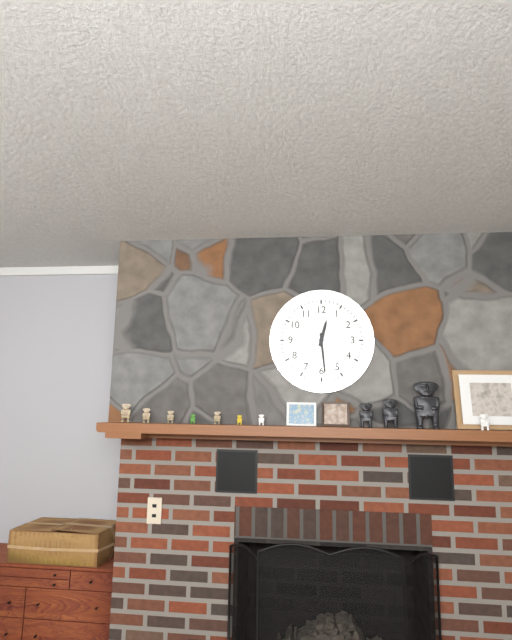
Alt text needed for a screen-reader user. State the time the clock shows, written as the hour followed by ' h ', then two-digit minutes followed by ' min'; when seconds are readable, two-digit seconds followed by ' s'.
12 h 29 min
